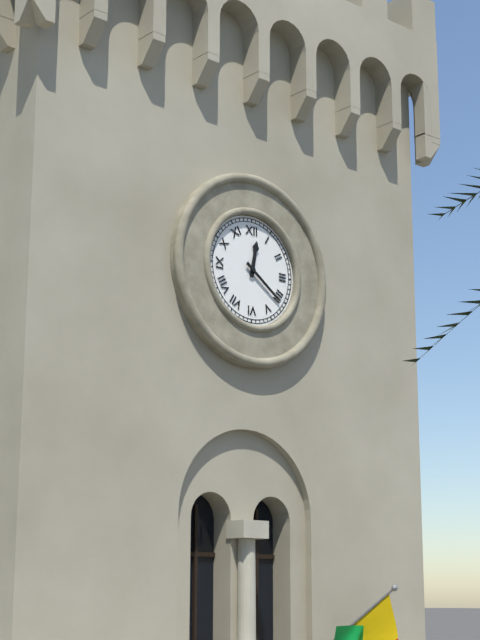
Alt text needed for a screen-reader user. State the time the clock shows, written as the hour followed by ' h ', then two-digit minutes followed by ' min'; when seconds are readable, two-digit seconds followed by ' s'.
12 h 21 min
